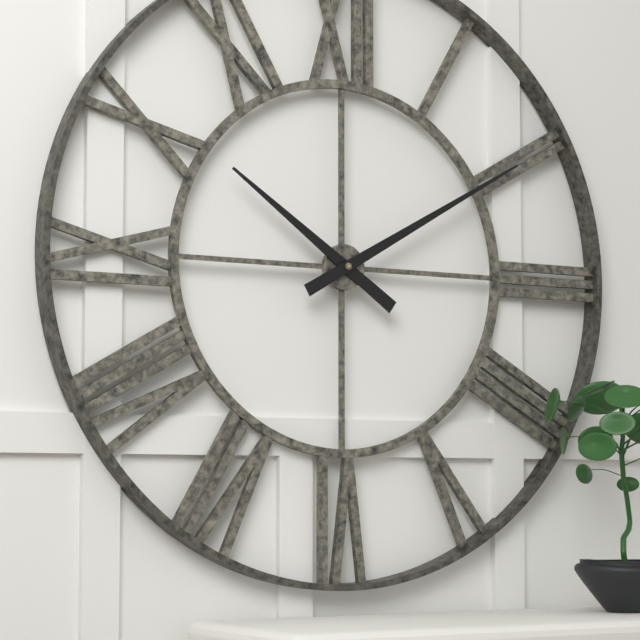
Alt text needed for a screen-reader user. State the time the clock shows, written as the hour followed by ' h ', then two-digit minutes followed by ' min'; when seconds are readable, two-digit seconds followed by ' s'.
10 h 10 min
